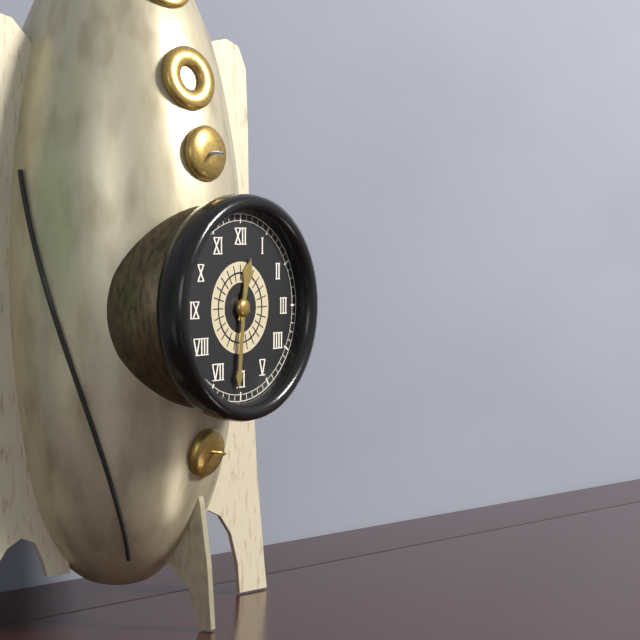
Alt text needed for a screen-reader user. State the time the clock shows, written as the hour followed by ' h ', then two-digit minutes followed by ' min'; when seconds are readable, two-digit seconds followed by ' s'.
12 h 31 min
